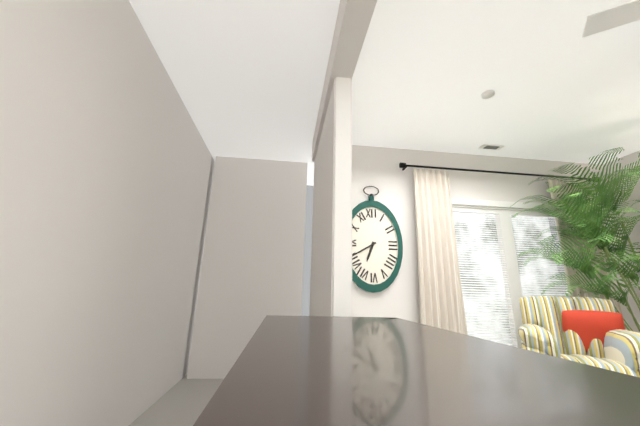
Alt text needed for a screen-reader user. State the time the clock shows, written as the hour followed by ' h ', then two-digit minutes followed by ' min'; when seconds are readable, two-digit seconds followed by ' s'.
6 h 40 min
